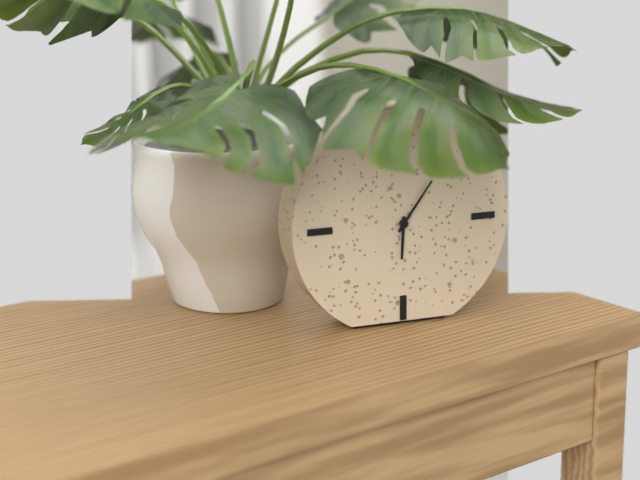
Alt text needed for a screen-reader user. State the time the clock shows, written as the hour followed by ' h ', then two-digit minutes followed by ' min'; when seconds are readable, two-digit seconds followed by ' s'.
6 h 06 min
